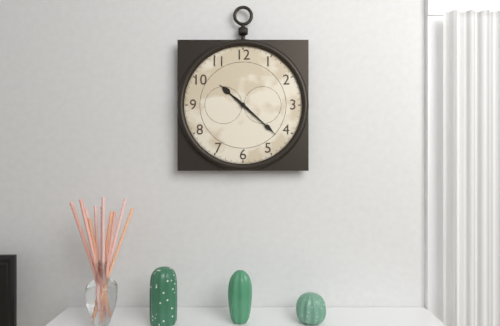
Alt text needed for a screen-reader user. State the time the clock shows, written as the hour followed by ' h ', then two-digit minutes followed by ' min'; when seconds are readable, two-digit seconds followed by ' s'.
10 h 22 min
